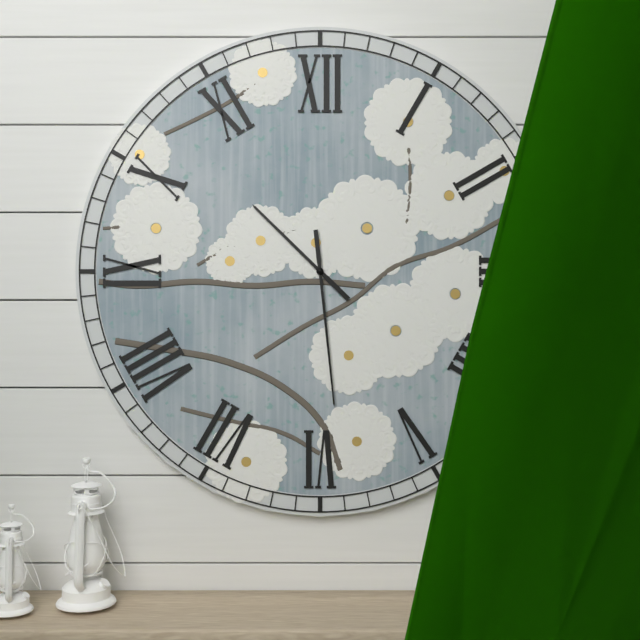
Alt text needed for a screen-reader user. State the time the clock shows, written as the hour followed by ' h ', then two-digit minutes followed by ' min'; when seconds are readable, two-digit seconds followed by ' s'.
10 h 29 min
